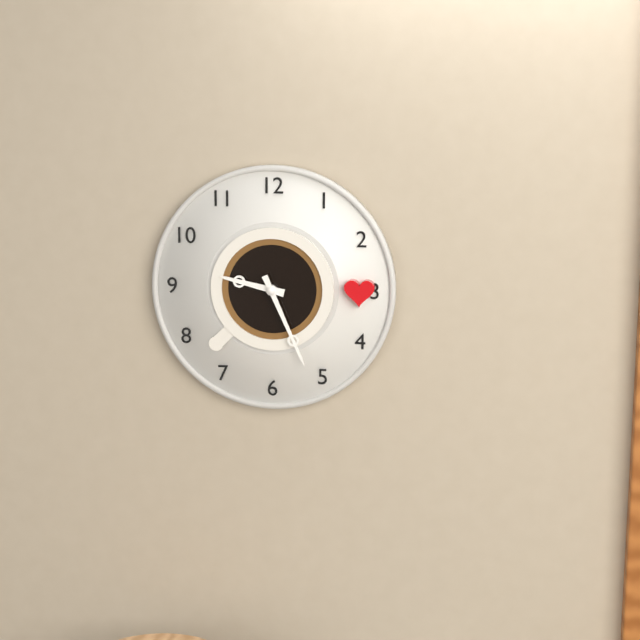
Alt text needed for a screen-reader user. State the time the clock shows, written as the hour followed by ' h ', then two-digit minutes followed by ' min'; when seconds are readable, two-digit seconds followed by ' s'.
9 h 26 min
